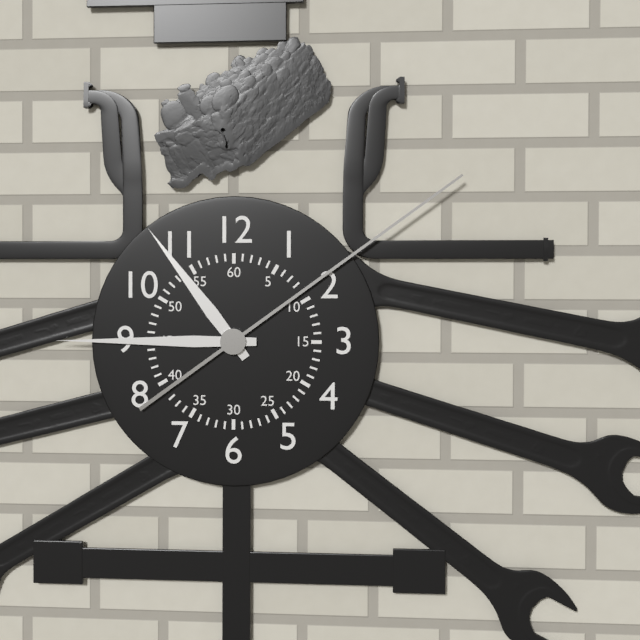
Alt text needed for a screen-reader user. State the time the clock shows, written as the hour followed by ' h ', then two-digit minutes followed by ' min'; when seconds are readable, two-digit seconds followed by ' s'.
10 h 45 min 09 s
